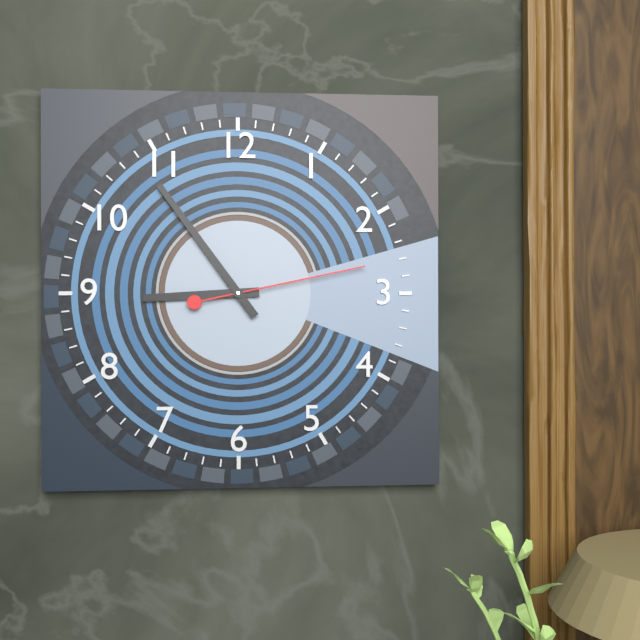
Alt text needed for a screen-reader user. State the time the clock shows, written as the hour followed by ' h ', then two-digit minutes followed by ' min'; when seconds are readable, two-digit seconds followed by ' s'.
8 h 54 min 13 s
